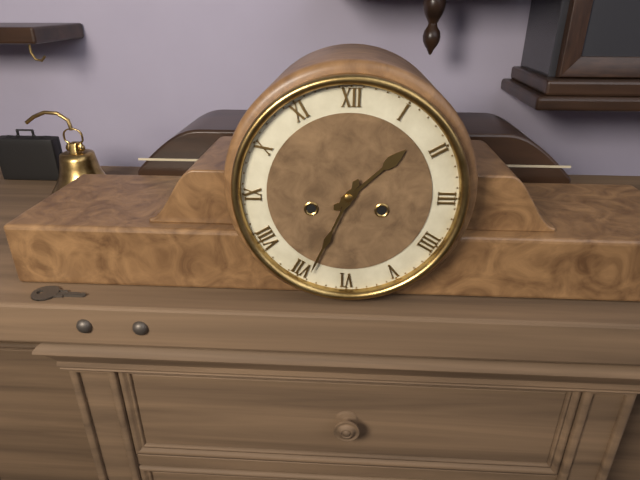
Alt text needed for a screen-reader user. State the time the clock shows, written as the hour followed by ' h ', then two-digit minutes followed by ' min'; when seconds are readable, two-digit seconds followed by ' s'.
1 h 34 min
